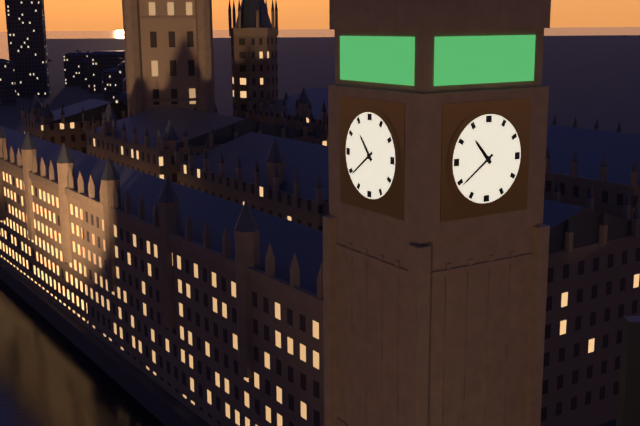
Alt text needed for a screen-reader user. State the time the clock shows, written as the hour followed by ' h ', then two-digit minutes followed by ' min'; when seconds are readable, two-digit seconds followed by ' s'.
10 h 39 min
